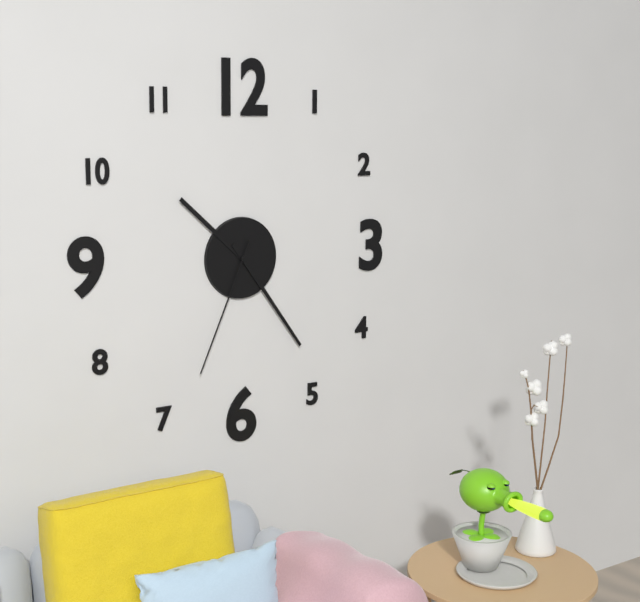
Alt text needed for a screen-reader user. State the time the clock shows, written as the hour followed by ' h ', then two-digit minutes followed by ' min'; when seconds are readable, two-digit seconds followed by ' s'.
10 h 24 min 34 s
